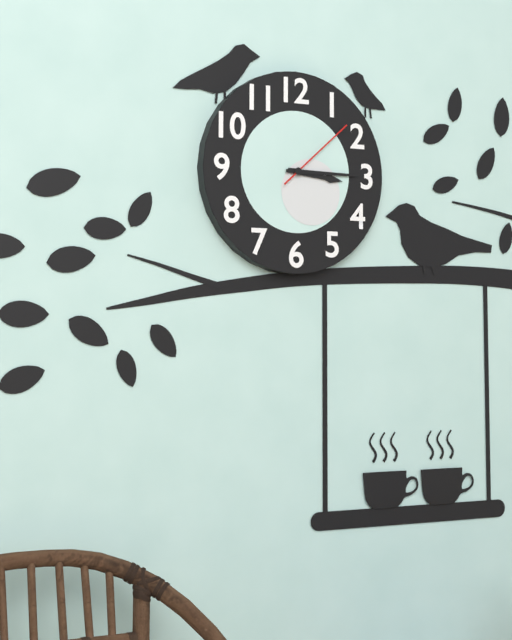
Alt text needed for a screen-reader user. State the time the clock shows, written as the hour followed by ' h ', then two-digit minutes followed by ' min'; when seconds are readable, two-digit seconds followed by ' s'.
3 h 15 min 08 s
